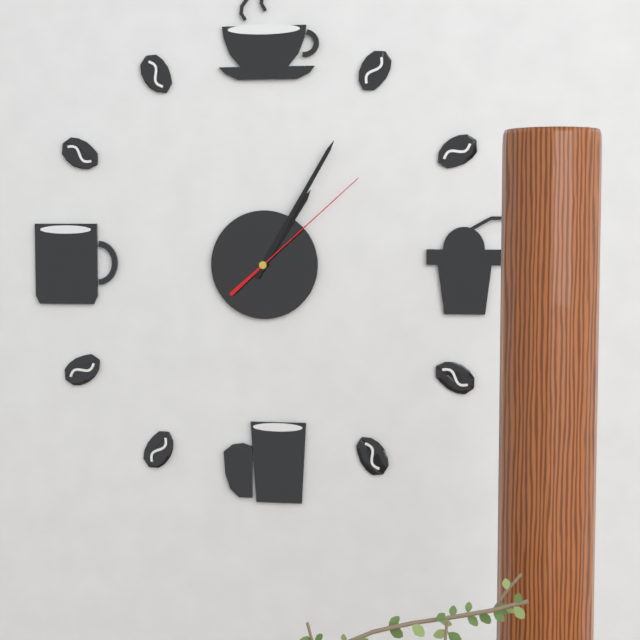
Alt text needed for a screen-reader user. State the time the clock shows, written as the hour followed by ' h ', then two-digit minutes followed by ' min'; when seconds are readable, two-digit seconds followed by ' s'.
1 h 05 min 08 s
